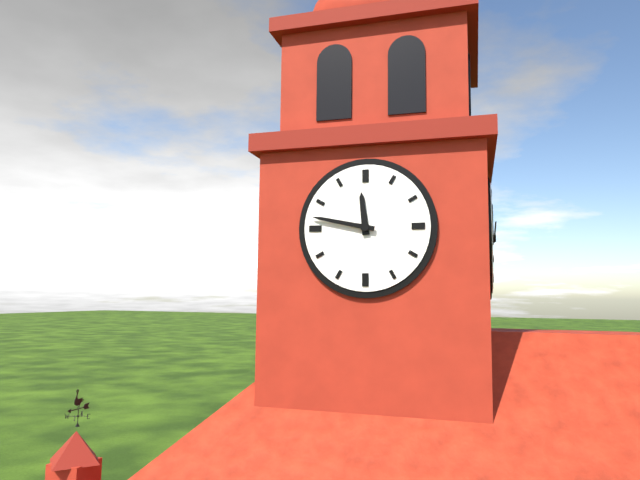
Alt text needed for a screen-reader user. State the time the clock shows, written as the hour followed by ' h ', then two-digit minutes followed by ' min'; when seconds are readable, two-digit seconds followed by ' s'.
11 h 47 min
